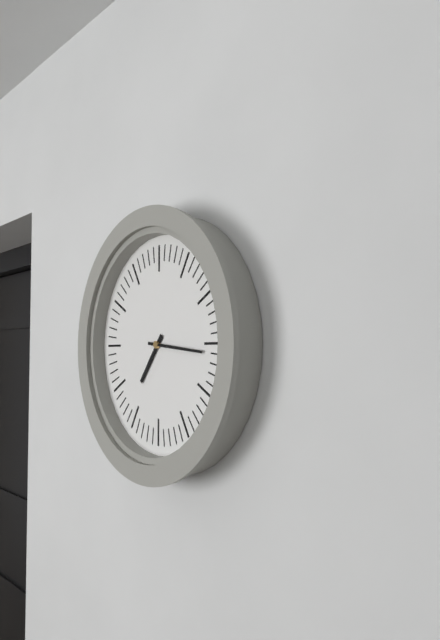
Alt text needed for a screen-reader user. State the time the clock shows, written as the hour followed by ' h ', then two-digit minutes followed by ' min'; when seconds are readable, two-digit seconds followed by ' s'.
7 h 16 min
